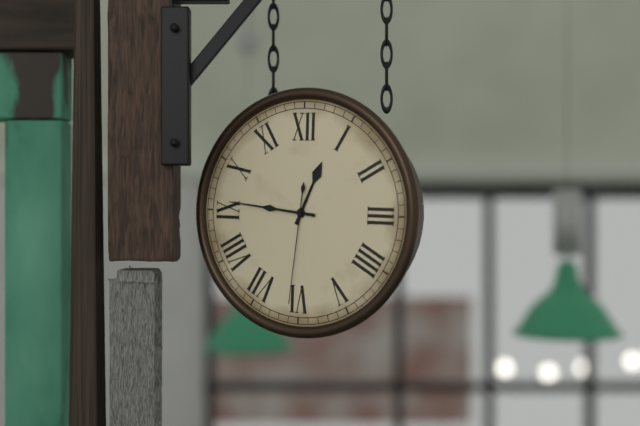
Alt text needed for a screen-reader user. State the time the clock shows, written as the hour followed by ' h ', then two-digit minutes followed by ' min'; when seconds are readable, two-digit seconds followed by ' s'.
12 h 46 min 31 s
